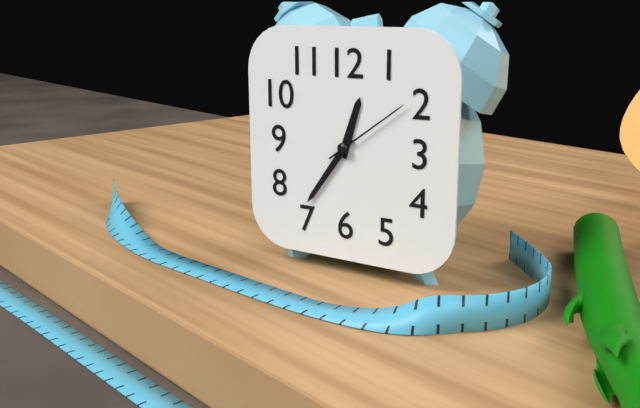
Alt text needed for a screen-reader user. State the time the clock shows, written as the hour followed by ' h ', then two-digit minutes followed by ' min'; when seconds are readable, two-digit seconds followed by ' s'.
12 h 36 min 09 s
